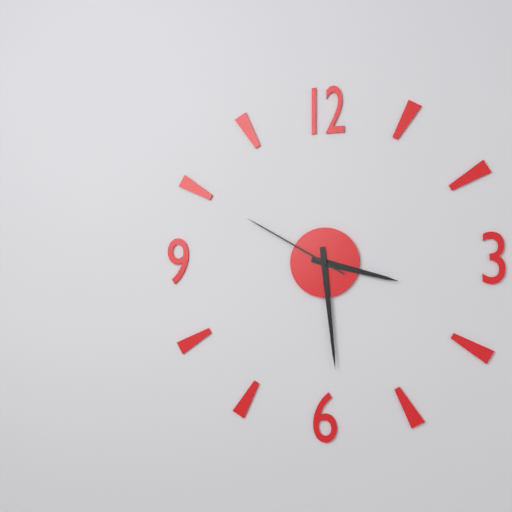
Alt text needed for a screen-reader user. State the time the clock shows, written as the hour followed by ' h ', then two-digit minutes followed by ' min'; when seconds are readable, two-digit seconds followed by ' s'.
3 h 29 min 50 s
